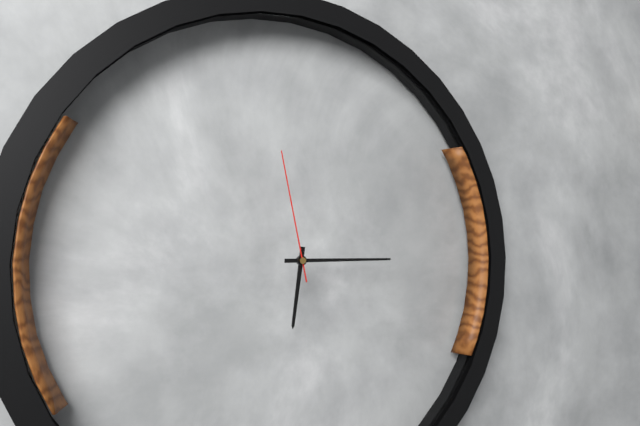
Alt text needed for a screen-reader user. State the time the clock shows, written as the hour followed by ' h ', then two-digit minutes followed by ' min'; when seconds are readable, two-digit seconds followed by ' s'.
6 h 15 min 58 s
